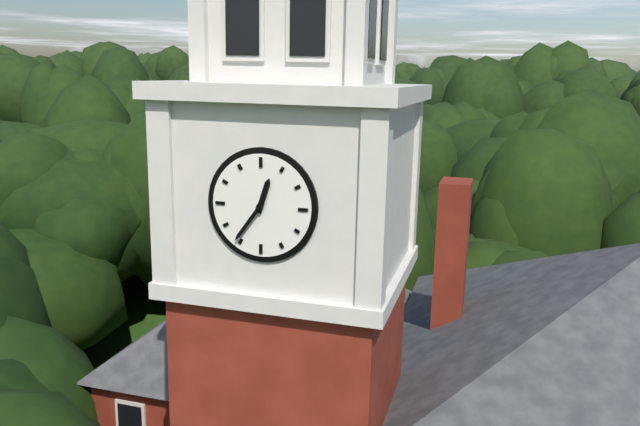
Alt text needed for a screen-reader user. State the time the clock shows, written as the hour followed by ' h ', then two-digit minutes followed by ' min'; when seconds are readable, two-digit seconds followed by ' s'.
12 h 36 min
